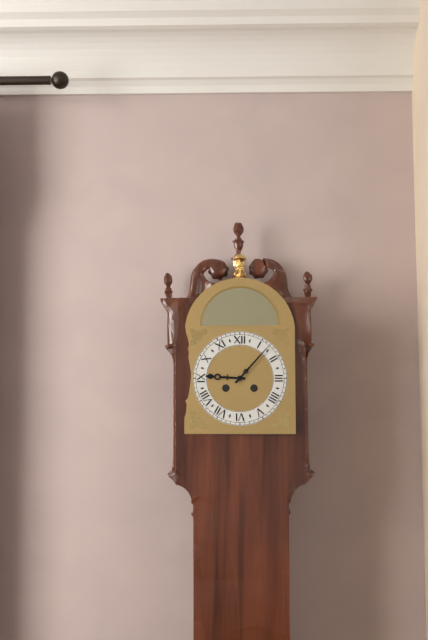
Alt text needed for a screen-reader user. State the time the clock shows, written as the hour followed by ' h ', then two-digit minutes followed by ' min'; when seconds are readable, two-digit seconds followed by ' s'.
9 h 07 min
